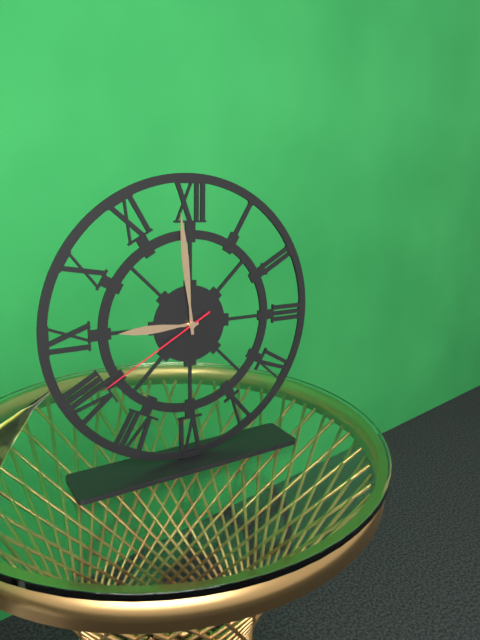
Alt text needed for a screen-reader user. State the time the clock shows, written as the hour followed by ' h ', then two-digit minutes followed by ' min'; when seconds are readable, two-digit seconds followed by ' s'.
8 h 59 min 40 s
